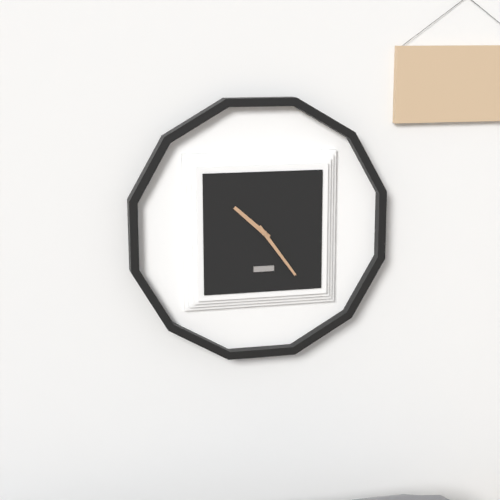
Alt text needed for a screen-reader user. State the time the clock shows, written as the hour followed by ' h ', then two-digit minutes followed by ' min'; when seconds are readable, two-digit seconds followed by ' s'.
10 h 24 min
